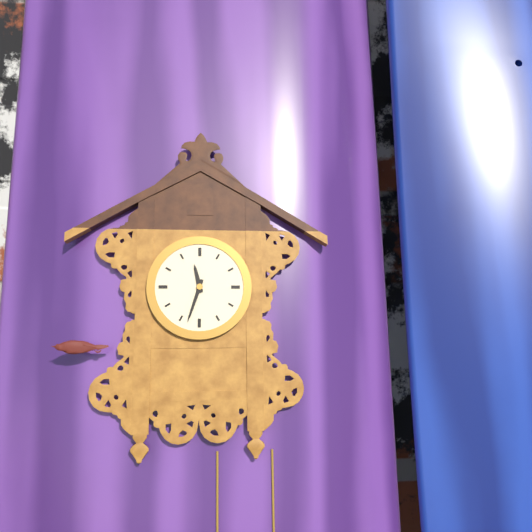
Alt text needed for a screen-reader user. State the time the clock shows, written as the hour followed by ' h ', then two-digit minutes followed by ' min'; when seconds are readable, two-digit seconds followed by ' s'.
11 h 33 min
